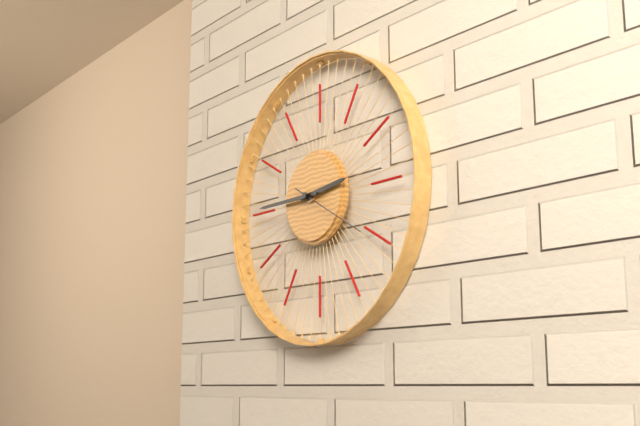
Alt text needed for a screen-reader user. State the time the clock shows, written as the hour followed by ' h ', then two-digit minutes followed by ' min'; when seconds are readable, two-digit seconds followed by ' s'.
2 h 45 min 20 s
